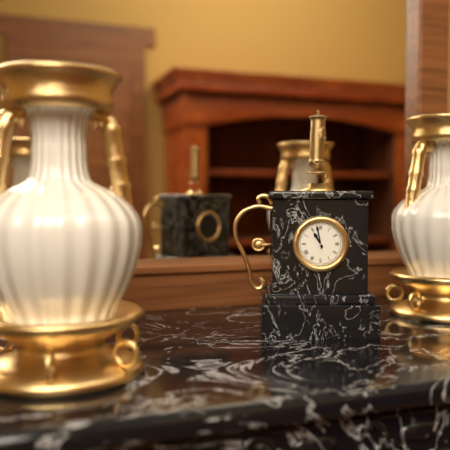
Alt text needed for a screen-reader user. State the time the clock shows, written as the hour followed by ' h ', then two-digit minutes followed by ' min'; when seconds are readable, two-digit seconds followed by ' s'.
10 h 58 min
